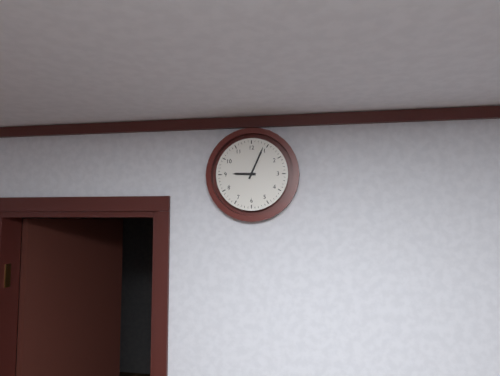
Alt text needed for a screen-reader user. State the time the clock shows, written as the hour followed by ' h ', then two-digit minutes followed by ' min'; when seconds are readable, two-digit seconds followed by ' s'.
9 h 04 min
